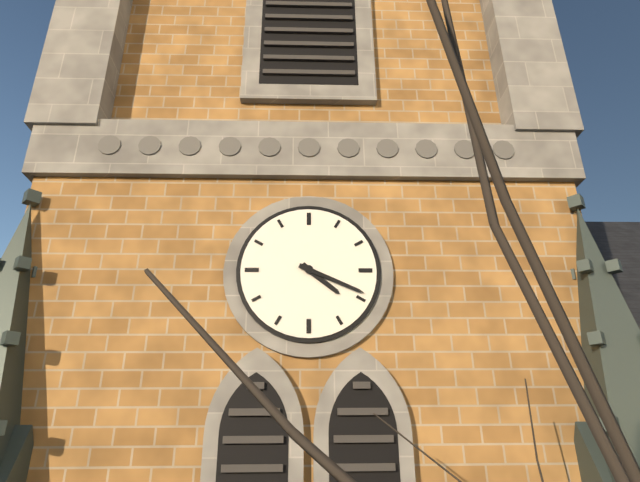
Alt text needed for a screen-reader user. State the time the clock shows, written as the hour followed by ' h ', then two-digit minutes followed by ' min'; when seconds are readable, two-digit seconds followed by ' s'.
4 h 19 min
